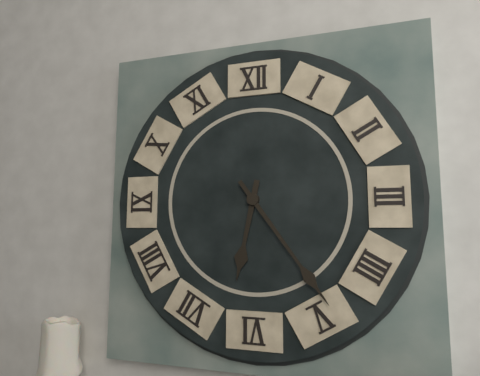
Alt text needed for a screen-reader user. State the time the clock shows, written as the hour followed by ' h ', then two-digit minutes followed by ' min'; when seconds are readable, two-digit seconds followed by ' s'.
6 h 24 min
